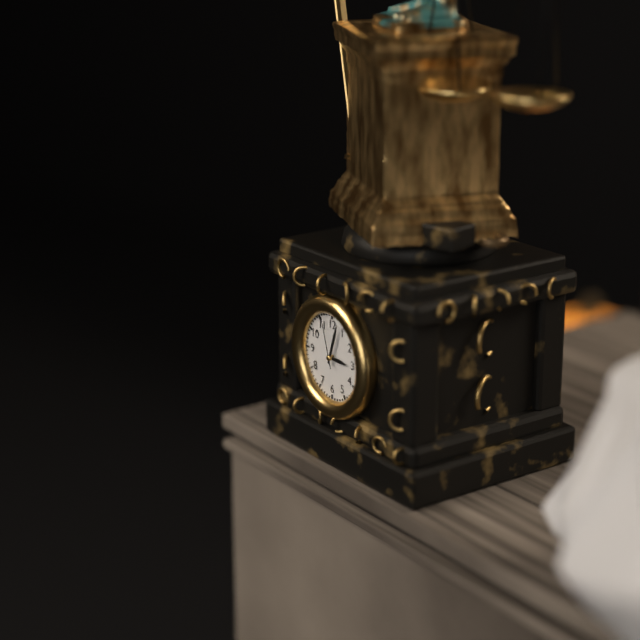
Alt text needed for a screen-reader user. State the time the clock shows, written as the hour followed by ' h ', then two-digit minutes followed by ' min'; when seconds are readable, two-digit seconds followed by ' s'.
3 h 03 min 57 s
